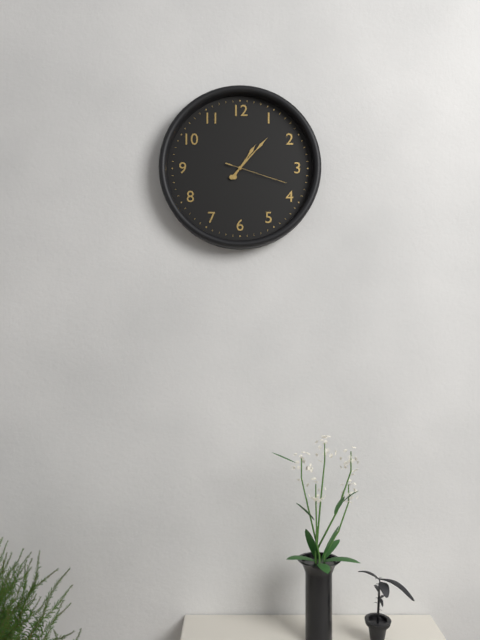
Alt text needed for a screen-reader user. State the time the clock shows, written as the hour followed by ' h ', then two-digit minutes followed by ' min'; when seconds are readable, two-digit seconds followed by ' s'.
1 h 07 min 18 s
